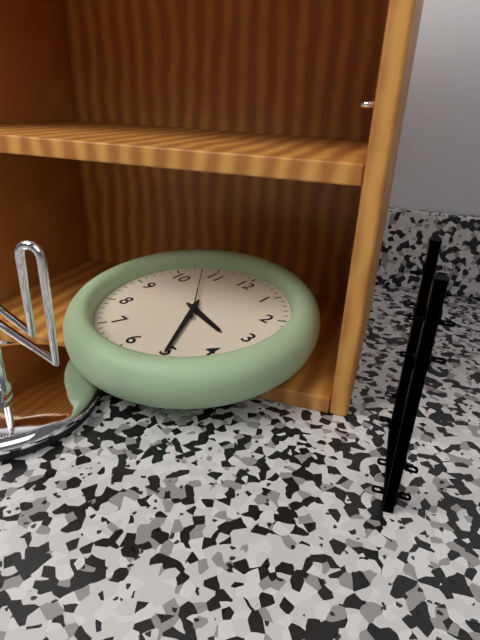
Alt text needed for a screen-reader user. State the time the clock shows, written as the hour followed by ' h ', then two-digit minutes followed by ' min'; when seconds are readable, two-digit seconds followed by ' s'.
3 h 25 min 53 s
